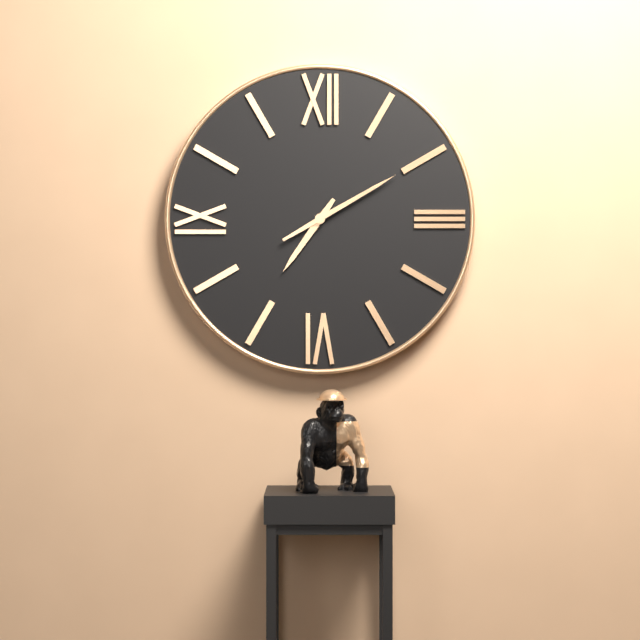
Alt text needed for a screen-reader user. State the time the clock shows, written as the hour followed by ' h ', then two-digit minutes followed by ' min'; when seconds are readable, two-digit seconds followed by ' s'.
7 h 10 min
